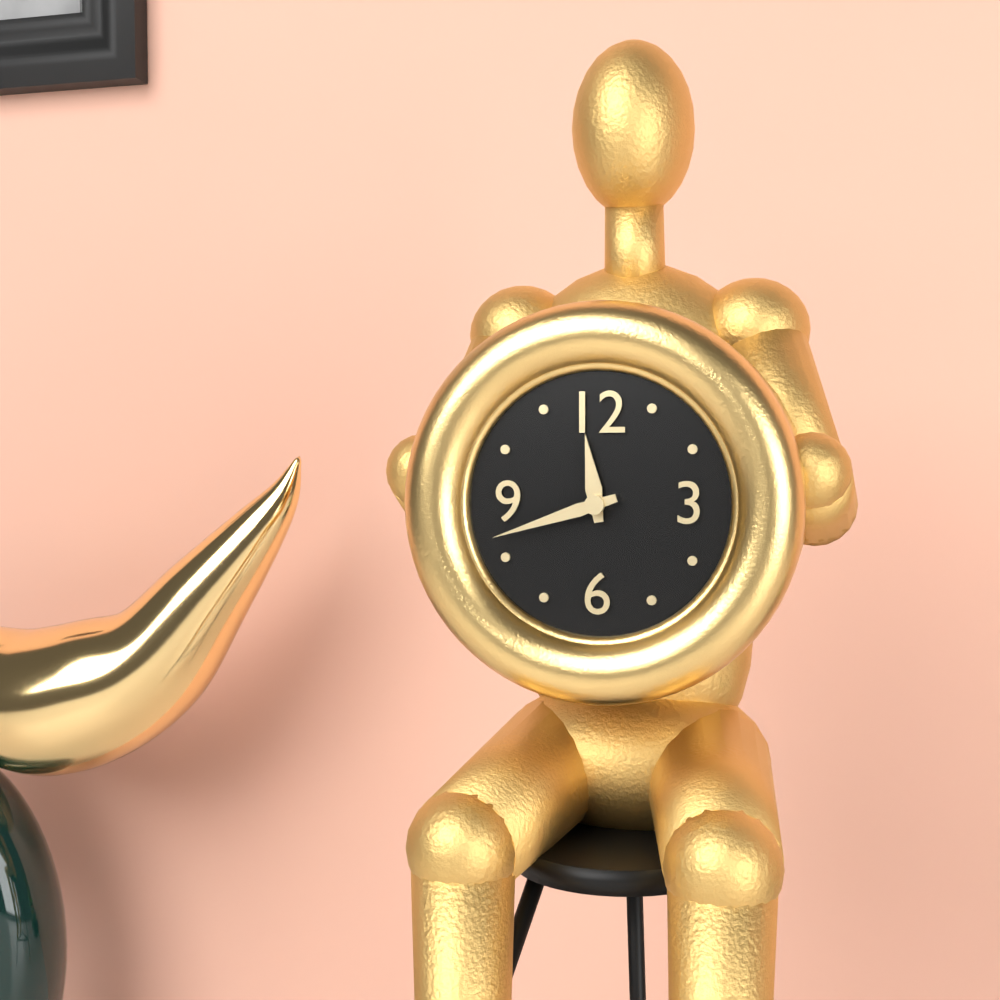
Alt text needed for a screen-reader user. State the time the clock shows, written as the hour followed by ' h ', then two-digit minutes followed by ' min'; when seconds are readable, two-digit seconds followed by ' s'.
11 h 42 min
